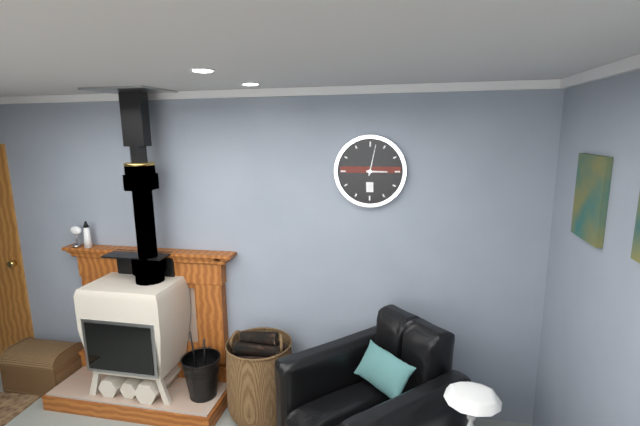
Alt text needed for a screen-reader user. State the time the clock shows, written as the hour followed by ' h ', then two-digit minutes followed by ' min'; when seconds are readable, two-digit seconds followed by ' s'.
3 h 02 min
